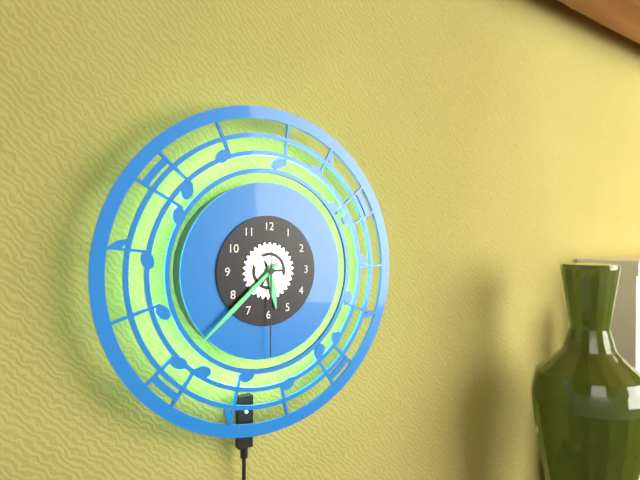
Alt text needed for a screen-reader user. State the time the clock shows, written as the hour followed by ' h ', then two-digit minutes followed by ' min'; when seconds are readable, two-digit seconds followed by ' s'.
5 h 38 min 30 s
